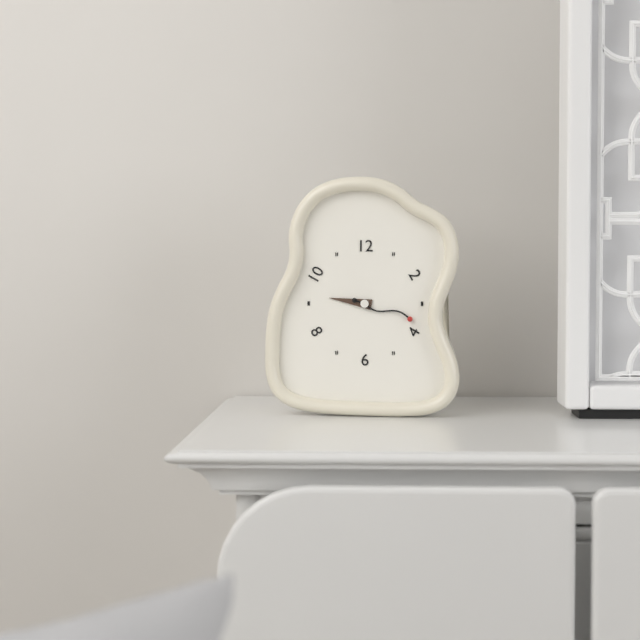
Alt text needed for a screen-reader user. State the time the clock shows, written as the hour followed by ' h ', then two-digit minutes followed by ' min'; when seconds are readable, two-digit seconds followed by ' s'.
9 h 18 min
